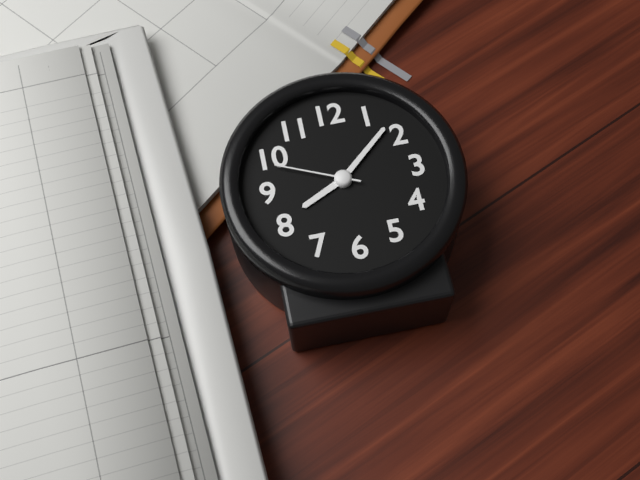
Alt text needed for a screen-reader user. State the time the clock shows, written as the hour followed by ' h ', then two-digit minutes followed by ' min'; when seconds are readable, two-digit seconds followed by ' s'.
8 h 08 min 49 s
